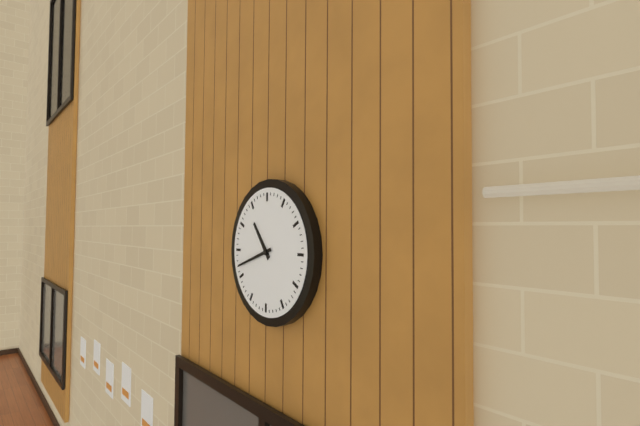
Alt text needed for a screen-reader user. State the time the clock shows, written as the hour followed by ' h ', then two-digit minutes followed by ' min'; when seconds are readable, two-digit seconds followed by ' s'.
10 h 42 min
